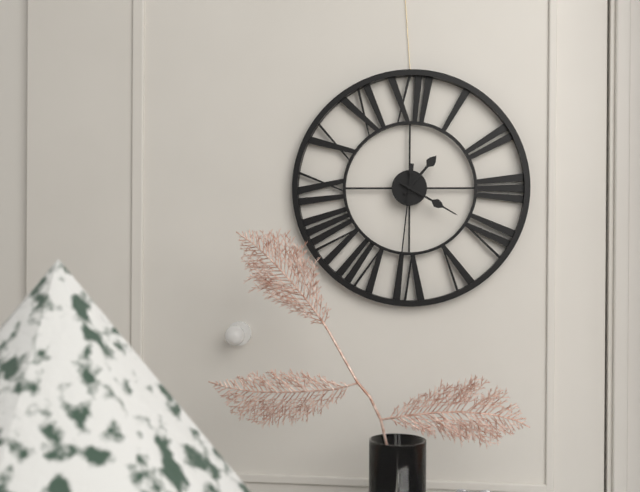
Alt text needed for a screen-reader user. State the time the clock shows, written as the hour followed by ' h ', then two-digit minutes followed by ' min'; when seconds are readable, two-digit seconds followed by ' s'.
1 h 20 min 31 s
